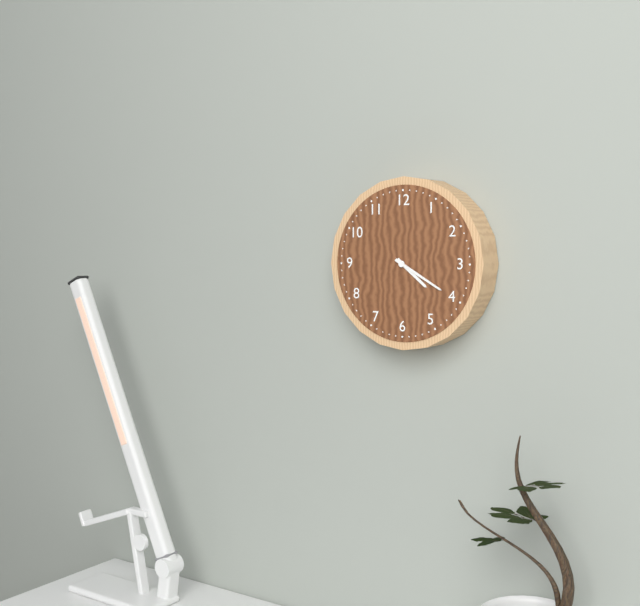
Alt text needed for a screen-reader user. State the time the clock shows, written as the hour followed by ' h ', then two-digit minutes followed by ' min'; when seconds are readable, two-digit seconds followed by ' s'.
4 h 20 min
